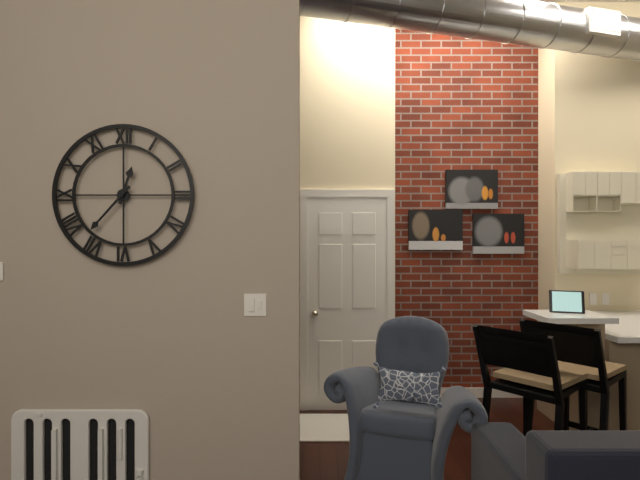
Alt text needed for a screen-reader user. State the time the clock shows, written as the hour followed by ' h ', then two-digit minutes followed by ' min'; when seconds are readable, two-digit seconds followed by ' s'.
12 h 37 min
